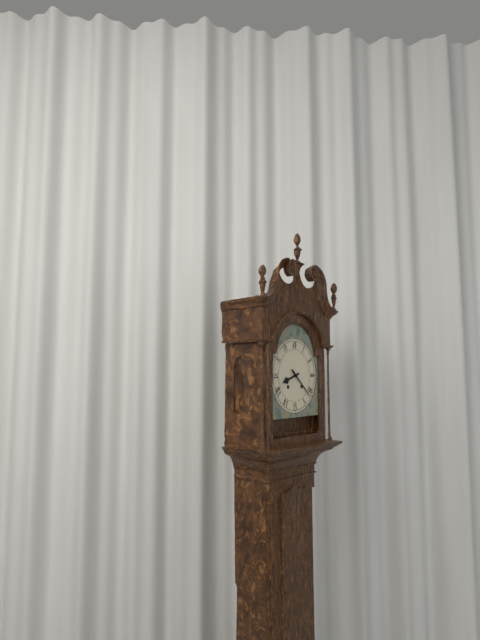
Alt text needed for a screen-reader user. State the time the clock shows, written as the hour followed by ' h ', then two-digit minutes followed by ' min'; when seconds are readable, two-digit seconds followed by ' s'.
8 h 22 min
